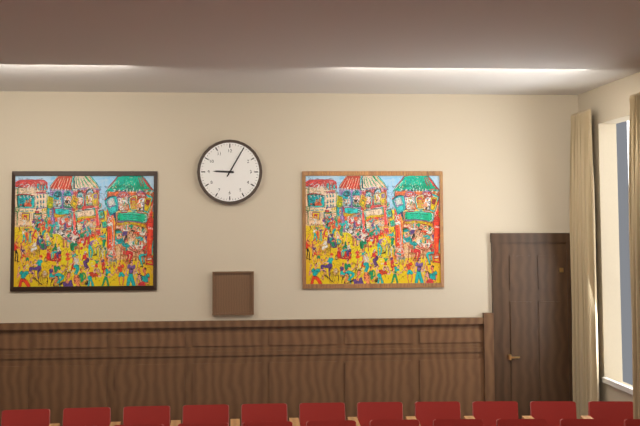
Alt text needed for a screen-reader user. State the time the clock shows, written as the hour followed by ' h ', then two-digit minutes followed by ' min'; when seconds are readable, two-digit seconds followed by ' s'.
9 h 05 min
